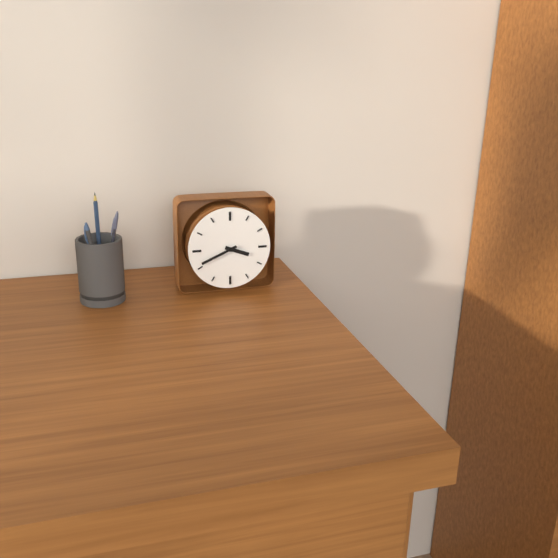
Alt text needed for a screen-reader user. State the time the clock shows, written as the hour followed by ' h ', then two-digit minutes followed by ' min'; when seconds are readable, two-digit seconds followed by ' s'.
3 h 41 min
